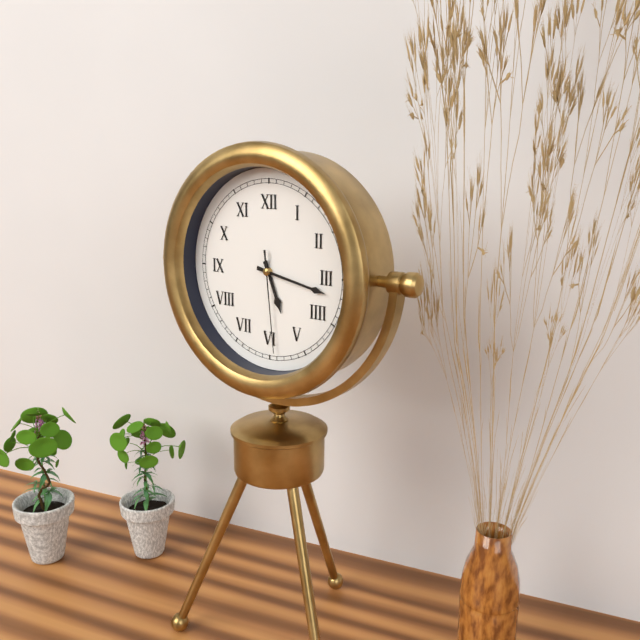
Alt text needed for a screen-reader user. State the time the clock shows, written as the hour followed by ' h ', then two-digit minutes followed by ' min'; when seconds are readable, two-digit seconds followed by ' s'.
5 h 17 min 29 s
